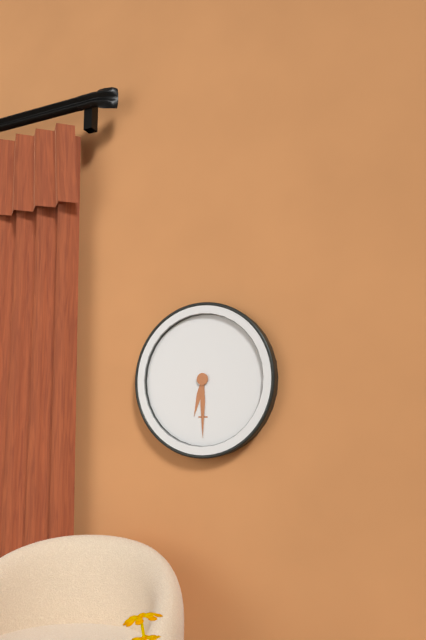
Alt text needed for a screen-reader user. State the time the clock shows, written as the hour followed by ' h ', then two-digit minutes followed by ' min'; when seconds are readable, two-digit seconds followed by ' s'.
6 h 30 min
